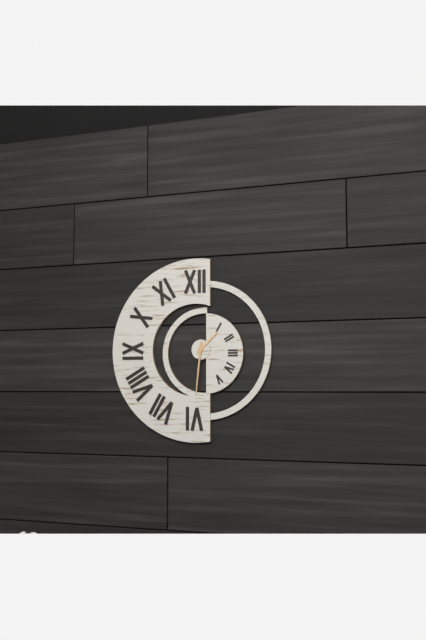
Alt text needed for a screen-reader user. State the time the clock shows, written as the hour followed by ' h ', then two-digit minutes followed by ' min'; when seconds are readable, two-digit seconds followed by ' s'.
1 h 31 min
